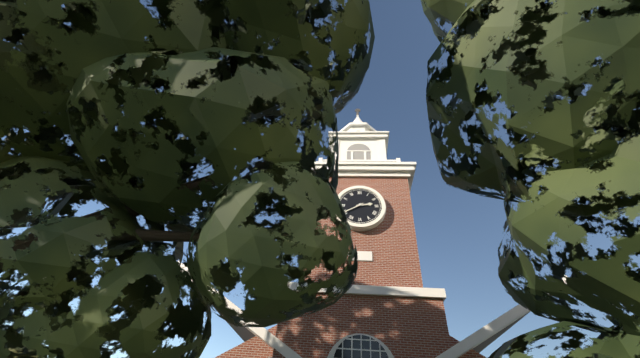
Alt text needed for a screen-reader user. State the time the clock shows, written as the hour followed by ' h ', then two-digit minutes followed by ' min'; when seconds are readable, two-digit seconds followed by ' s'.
2 h 40 min
